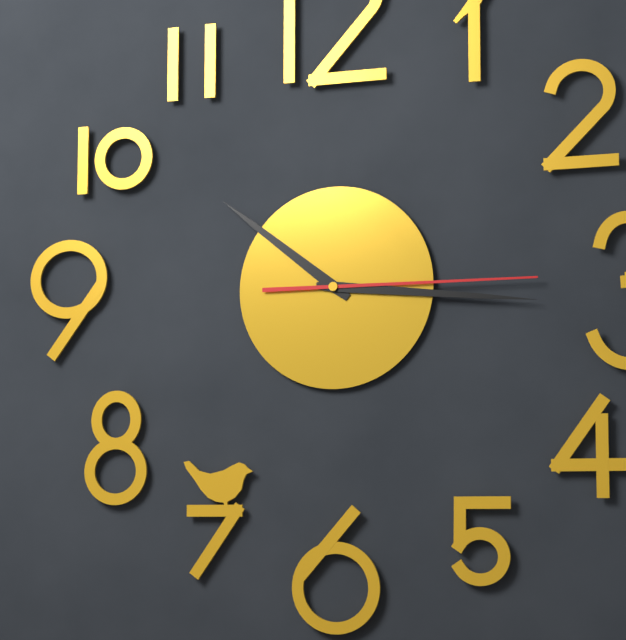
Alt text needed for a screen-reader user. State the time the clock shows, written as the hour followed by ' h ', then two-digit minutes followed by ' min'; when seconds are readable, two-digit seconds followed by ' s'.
10 h 16 min 15 s
